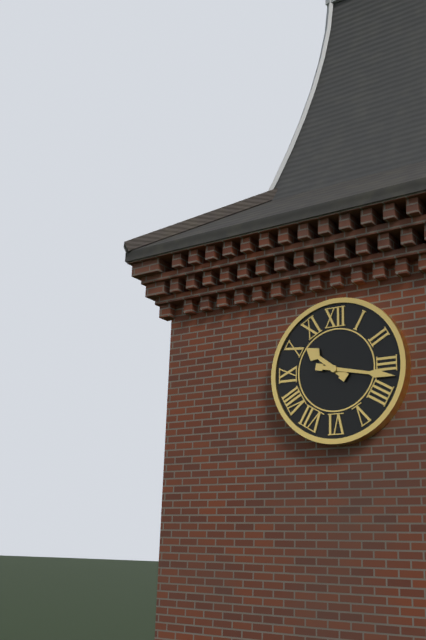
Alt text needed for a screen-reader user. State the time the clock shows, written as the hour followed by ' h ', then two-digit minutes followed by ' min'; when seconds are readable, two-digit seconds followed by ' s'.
10 h 17 min
